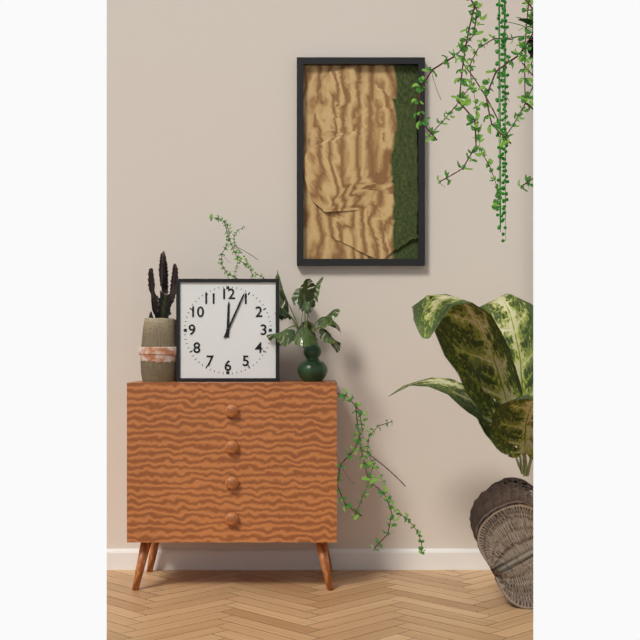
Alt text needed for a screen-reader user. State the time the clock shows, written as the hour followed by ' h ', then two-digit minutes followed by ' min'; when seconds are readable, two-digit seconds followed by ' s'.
12 h 04 min
